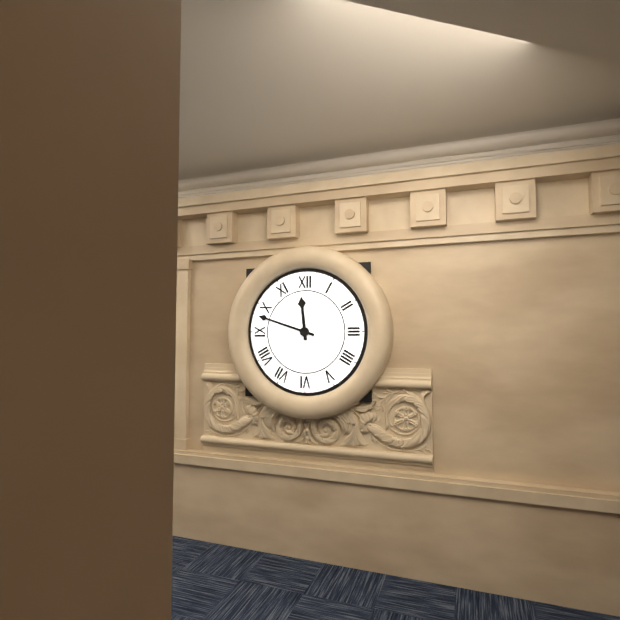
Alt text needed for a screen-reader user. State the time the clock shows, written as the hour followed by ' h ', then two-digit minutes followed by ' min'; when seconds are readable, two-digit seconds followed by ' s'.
11 h 48 min
